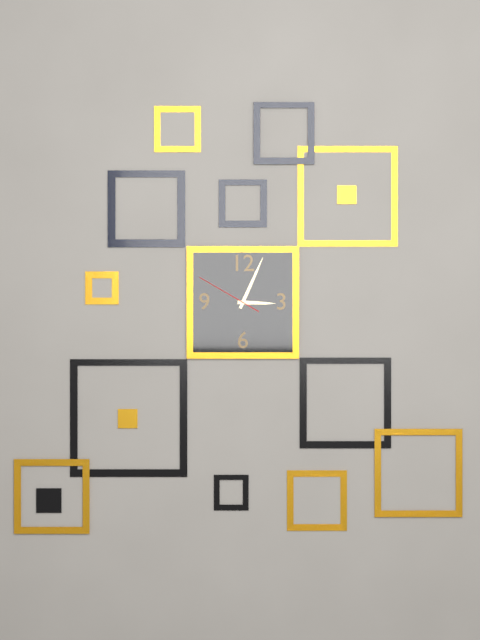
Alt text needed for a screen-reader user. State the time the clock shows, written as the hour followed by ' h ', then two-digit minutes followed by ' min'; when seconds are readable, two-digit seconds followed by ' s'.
3 h 04 min 50 s
